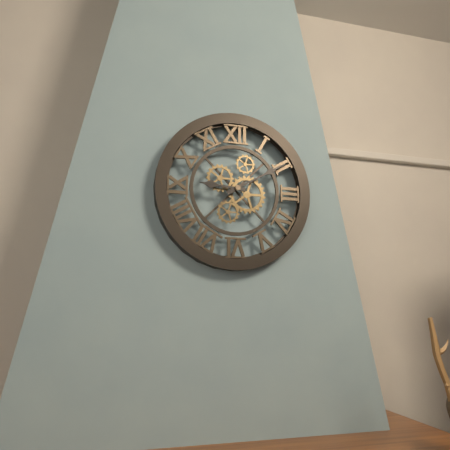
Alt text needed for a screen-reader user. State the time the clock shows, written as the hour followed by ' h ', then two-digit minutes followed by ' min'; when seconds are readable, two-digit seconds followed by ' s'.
9 h 10 min
